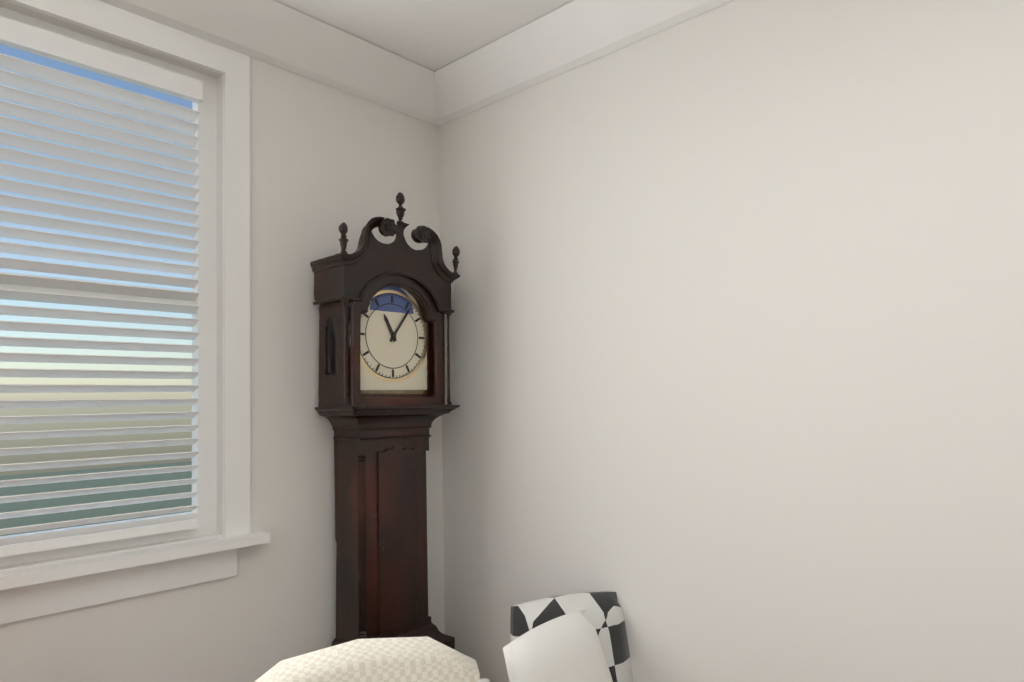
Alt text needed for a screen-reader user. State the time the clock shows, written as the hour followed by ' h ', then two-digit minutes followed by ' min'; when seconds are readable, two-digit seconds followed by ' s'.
11 h 06 min
